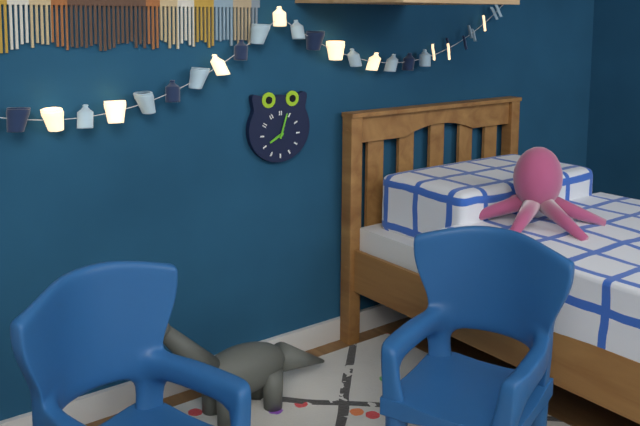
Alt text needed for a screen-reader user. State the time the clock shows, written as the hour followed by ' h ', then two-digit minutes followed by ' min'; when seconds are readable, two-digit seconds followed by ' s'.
8 h 03 min
